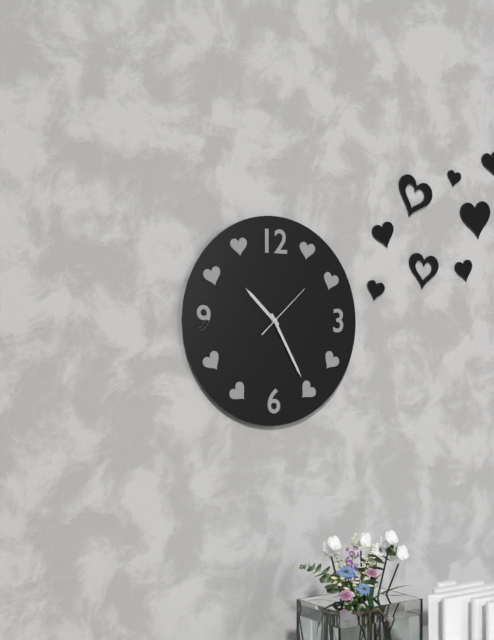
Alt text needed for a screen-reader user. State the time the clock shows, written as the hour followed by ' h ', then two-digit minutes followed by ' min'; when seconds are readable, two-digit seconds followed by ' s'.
10 h 25 min 08 s
